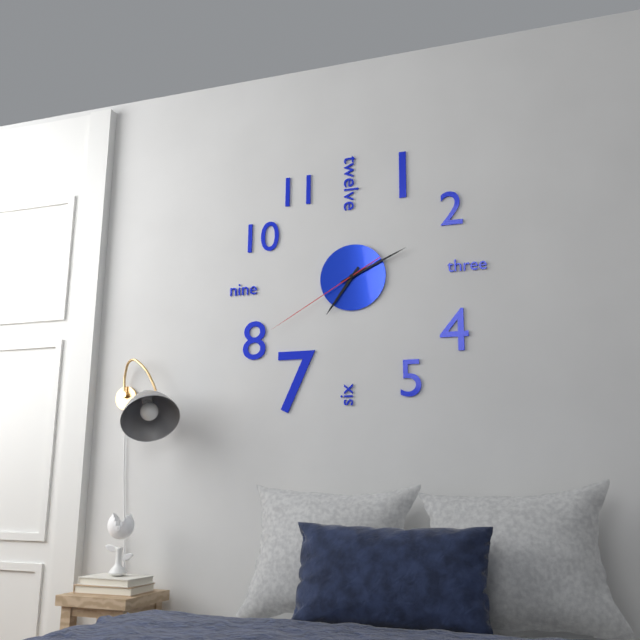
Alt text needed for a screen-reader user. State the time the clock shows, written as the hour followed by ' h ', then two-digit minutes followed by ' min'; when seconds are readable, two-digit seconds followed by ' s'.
7 h 11 min 40 s
